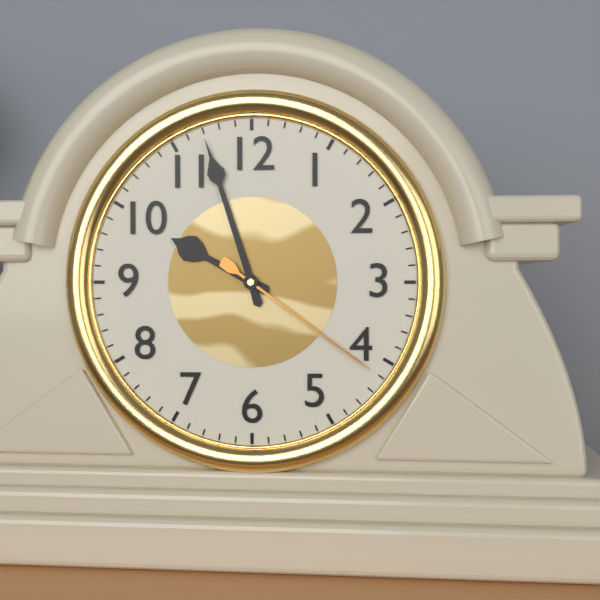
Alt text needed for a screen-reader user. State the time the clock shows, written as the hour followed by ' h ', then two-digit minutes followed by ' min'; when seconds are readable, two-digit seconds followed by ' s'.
9 h 57 min 21 s
